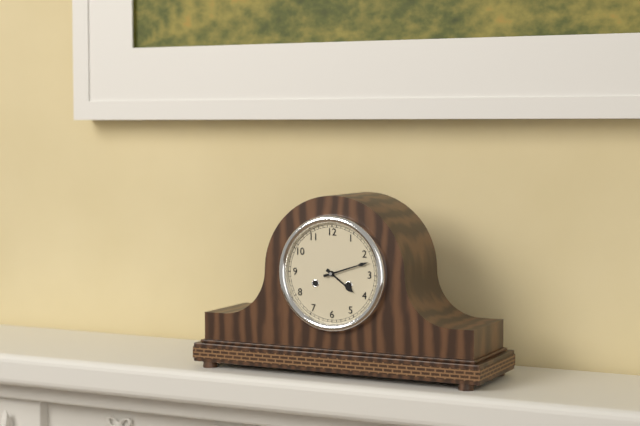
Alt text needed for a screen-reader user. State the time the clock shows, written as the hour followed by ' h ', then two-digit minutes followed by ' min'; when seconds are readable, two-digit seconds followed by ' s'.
4 h 12 min
